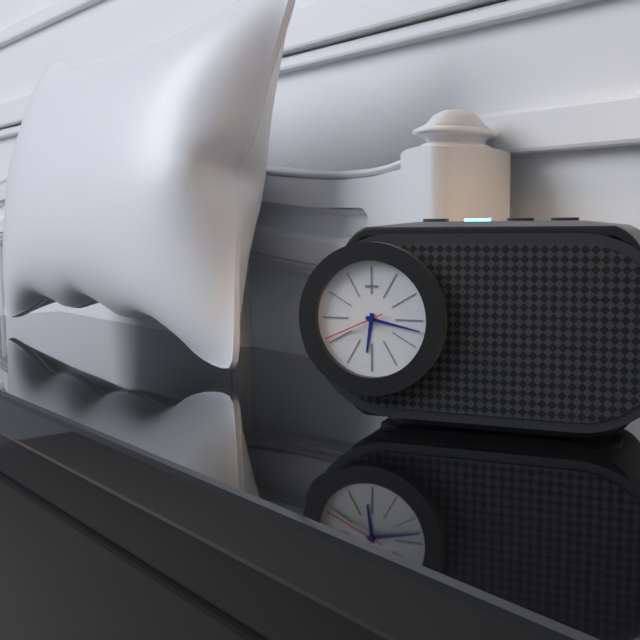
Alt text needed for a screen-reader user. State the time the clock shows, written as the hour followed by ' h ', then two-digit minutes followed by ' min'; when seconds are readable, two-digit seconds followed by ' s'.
6 h 17 min 41 s
